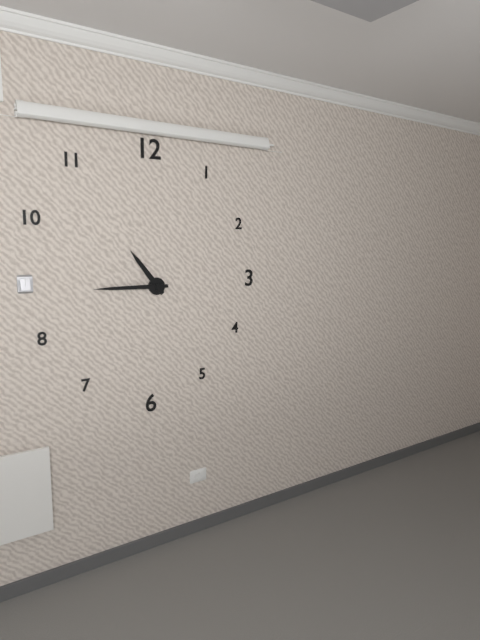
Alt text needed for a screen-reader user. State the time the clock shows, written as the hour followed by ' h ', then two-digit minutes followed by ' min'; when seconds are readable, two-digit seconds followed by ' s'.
10 h 45 min
